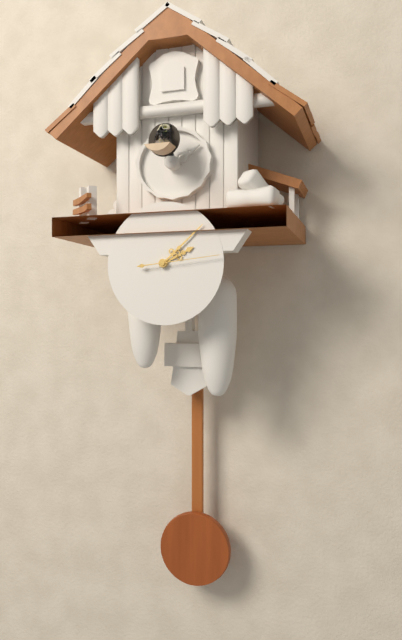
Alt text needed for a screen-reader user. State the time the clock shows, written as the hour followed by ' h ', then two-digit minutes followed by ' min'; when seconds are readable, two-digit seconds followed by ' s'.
2 h 08 min 14 s
